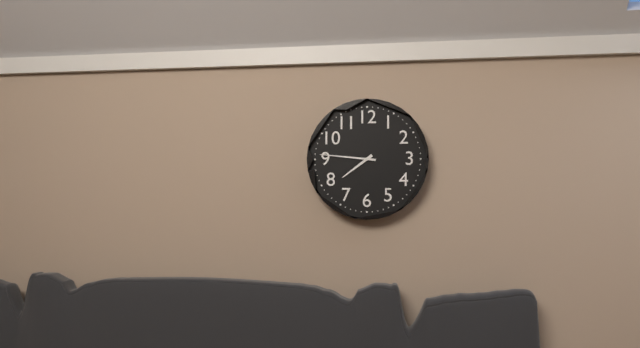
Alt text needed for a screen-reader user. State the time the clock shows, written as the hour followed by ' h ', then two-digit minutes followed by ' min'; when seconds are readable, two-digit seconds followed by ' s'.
7 h 46 min
